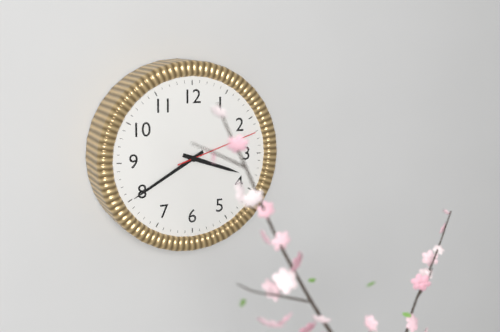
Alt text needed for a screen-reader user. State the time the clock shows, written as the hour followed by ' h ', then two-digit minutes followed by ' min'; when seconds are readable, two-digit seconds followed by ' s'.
3 h 40 min 12 s
